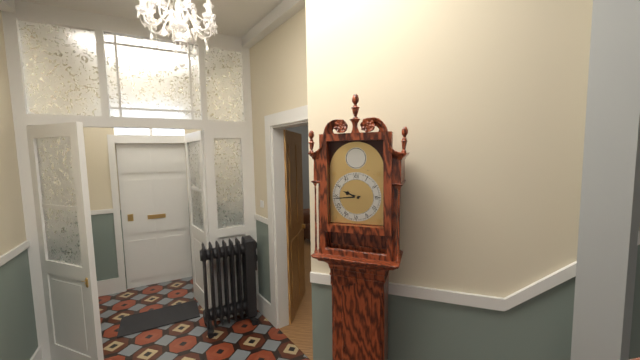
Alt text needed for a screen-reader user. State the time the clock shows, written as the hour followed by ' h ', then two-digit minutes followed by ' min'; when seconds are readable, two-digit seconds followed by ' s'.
9 h 44 min
